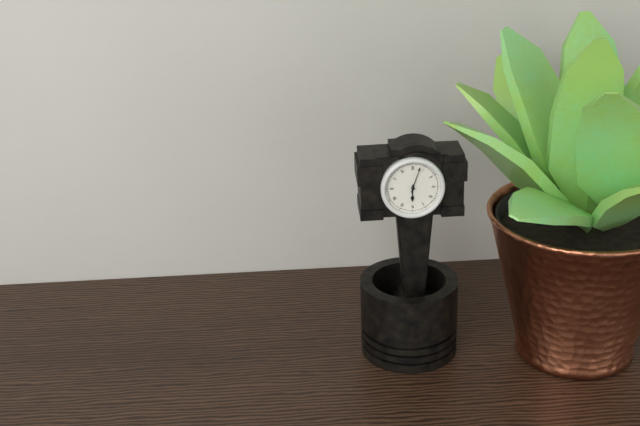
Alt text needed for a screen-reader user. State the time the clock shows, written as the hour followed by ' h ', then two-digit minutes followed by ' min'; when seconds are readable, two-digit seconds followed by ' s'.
6 h 03 min
